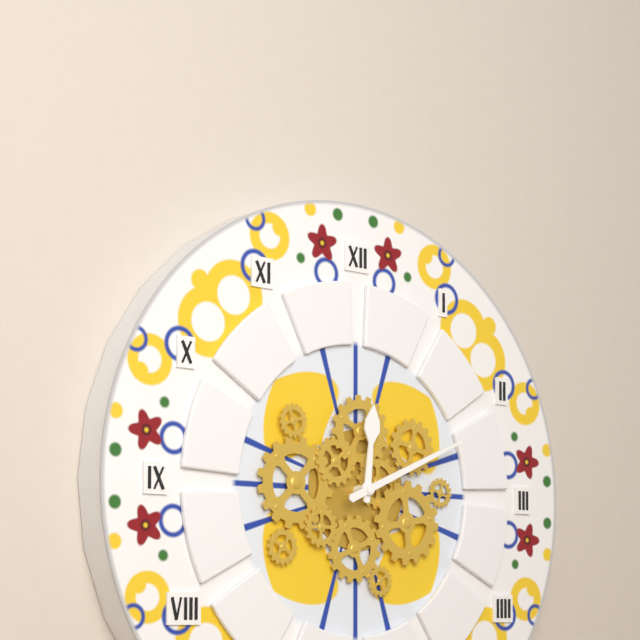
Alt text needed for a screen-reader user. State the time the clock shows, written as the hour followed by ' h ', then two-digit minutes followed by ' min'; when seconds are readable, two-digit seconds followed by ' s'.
12 h 11 min
